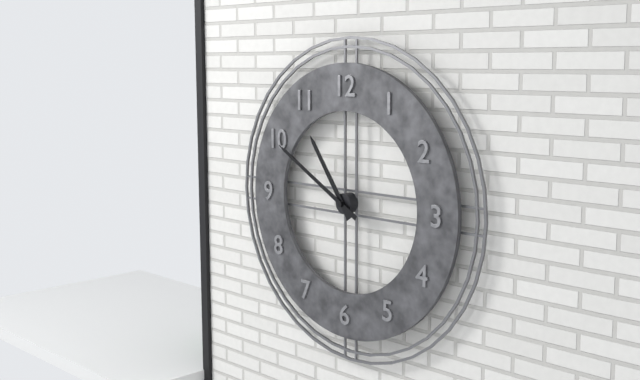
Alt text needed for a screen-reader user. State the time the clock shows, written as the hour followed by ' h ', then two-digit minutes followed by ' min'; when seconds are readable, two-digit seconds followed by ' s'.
10 h 50 min
